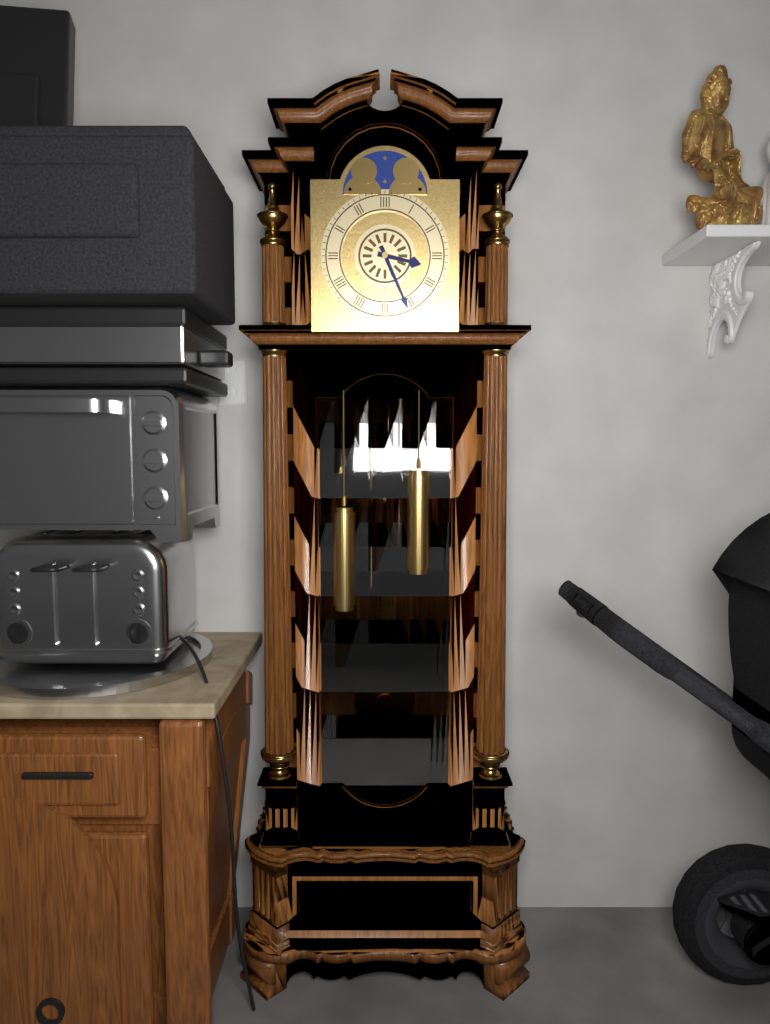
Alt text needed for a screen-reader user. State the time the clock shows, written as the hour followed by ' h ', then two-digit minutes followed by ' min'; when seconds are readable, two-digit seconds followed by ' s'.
3 h 26 min
